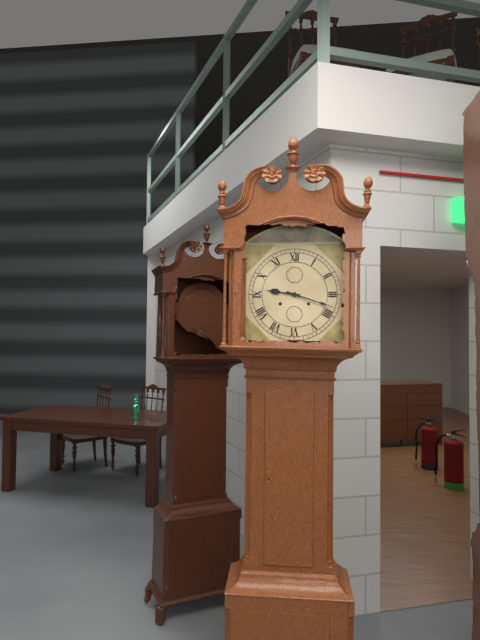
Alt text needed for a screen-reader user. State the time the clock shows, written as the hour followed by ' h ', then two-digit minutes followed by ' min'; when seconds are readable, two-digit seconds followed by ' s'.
9 h 18 min
